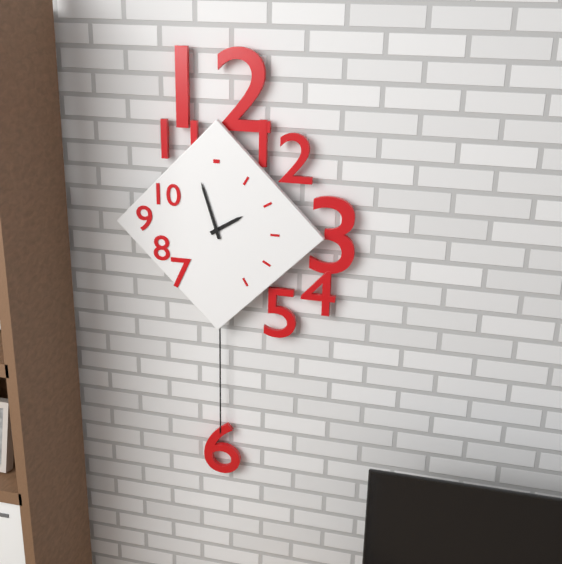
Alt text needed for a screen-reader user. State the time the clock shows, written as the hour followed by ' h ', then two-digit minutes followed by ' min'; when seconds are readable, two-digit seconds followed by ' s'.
1 h 57 min
